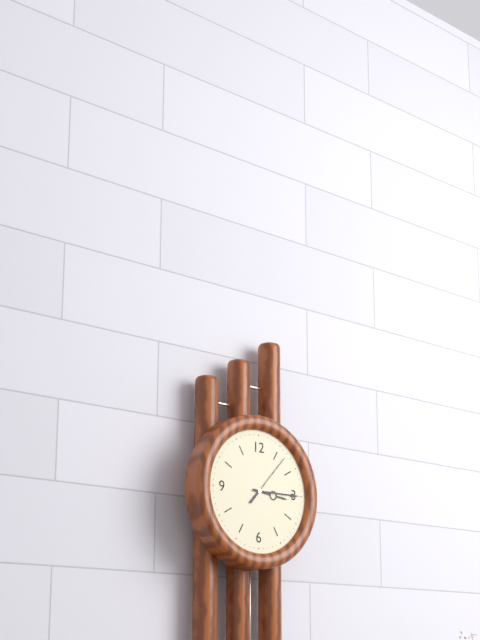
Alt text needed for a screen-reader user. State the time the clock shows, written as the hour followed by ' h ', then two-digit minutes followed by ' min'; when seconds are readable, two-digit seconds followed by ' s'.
3 h 15 min 07 s
